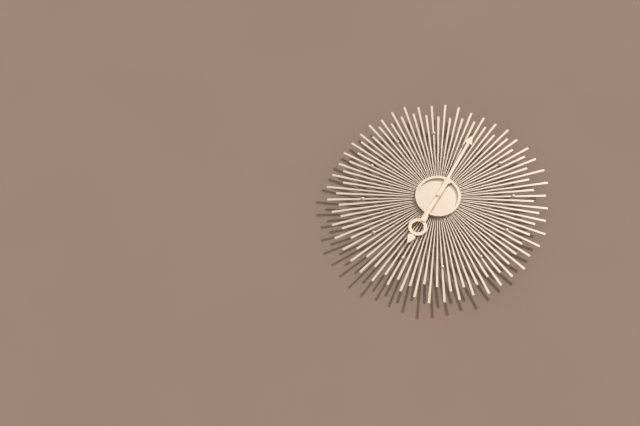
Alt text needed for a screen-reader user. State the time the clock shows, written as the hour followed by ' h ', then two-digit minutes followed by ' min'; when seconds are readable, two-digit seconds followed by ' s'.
7 h 05 min
